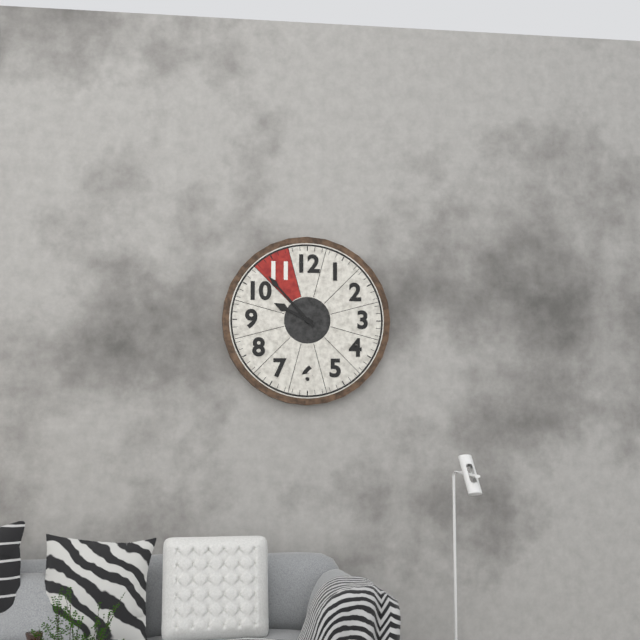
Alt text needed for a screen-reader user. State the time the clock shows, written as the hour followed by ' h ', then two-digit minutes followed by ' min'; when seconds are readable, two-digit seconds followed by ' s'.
9 h 53 min
